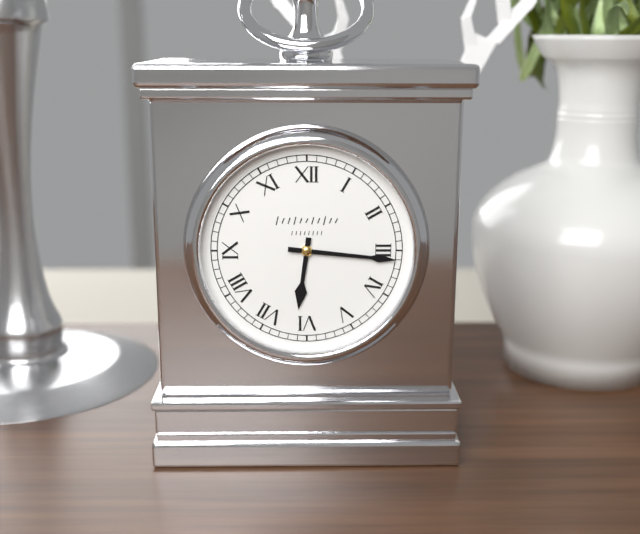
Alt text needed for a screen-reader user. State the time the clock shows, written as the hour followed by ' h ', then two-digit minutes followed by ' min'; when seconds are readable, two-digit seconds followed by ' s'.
6 h 16 min
